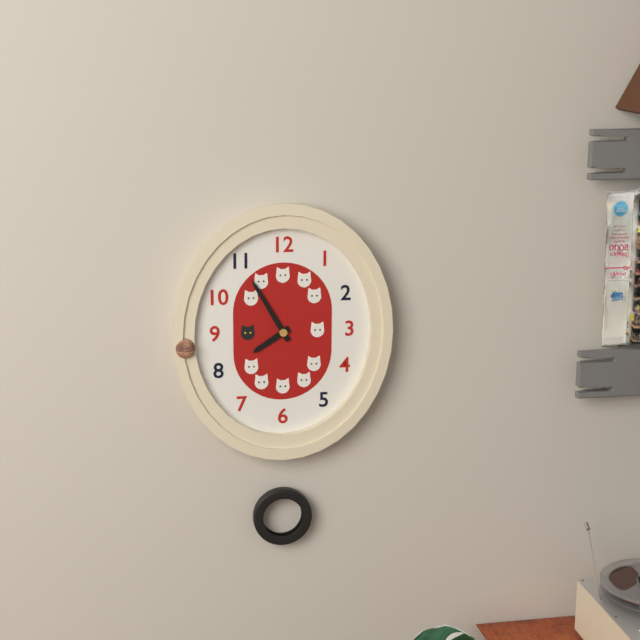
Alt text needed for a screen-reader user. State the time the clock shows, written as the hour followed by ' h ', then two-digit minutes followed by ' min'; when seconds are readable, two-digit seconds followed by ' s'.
7 h 55 min
